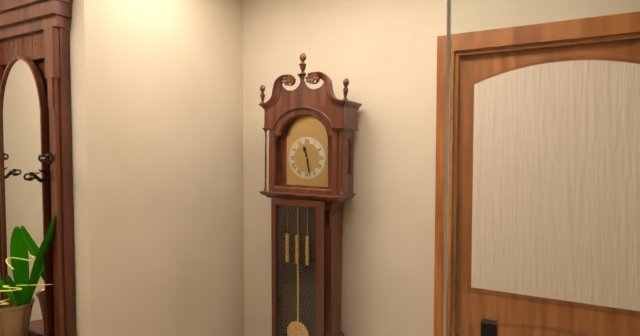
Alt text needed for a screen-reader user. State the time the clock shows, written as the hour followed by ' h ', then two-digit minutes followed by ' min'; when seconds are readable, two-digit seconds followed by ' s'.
11 h 28 min
